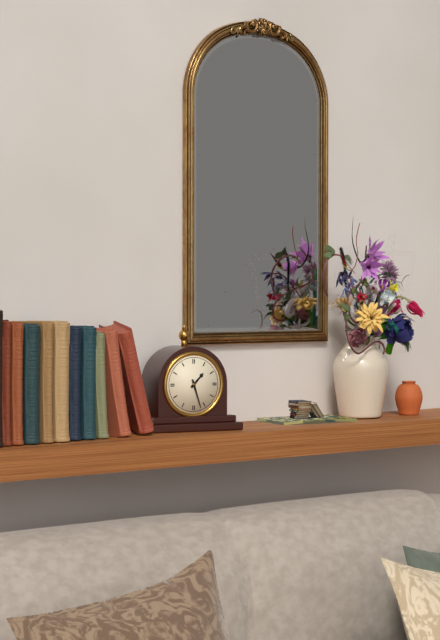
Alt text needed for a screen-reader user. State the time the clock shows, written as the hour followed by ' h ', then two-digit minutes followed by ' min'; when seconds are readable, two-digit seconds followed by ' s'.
1 h 27 min
